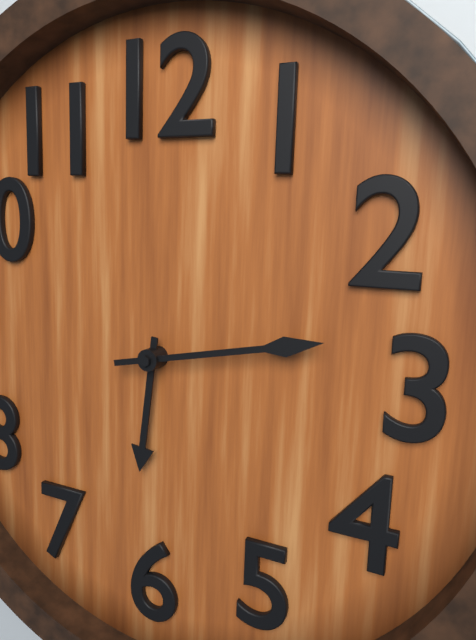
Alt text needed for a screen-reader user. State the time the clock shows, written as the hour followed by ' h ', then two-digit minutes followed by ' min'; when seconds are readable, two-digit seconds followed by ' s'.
6 h 13 min
